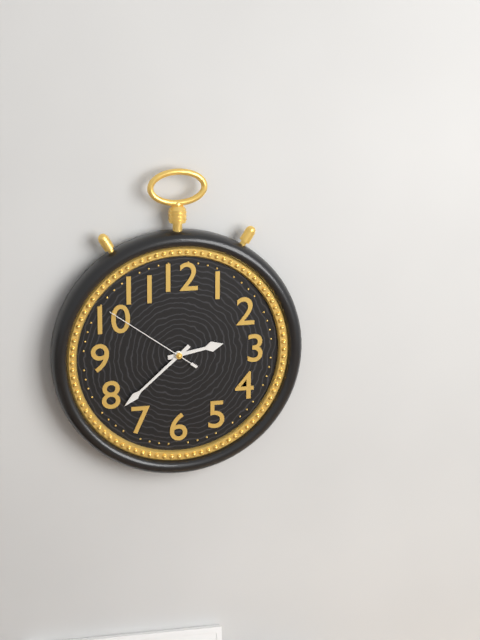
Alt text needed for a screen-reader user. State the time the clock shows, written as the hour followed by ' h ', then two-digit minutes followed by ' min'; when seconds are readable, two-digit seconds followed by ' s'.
2 h 38 min 51 s
